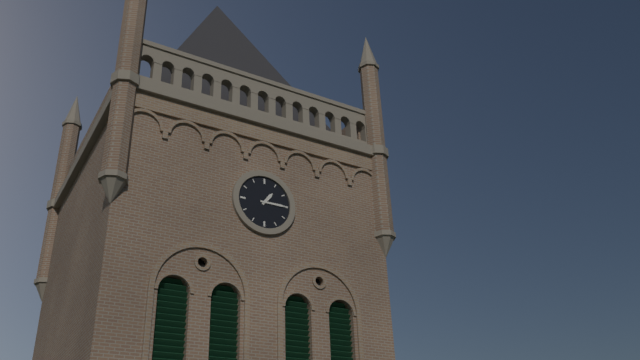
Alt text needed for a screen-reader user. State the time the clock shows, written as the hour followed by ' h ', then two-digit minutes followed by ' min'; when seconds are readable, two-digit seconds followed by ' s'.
1 h 15 min
